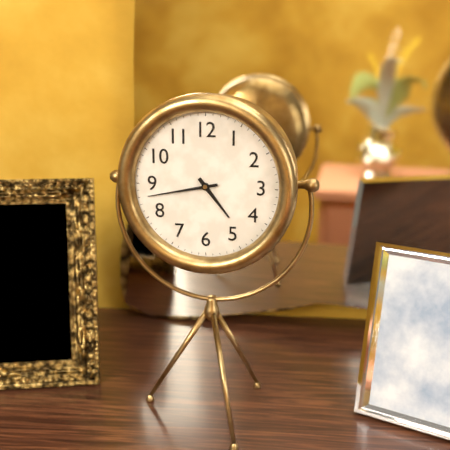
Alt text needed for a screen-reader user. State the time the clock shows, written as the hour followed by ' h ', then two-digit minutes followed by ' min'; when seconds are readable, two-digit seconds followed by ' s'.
4 h 43 min
